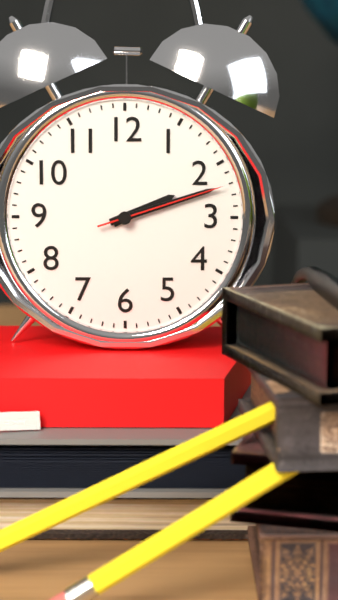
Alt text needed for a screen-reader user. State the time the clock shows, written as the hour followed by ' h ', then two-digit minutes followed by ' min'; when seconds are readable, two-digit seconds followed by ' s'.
2 h 12 min 12 s
